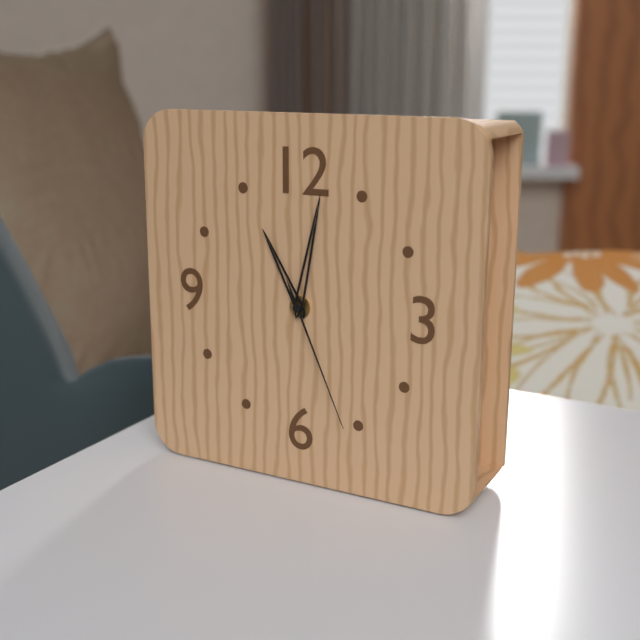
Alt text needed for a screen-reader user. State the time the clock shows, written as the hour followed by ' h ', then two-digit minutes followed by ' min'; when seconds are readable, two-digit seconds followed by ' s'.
11 h 02 min 26 s
